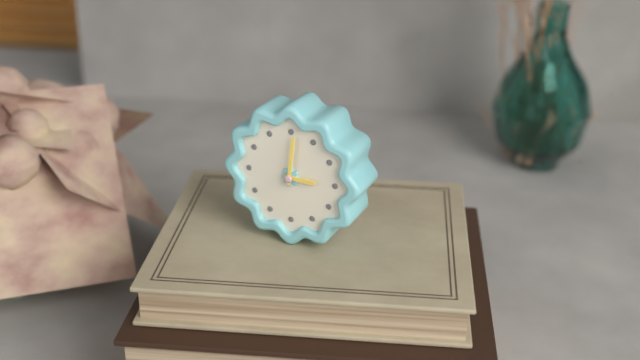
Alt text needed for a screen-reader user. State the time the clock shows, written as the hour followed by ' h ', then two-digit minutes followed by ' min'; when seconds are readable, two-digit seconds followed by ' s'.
3 h 01 min
